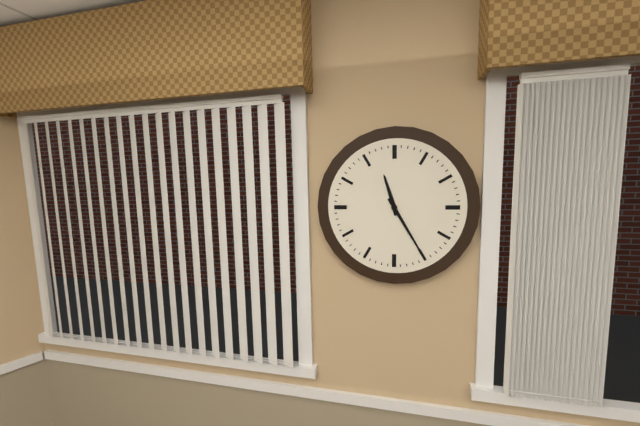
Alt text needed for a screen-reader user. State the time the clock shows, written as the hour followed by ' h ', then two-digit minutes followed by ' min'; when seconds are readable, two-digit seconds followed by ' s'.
11 h 25 min
